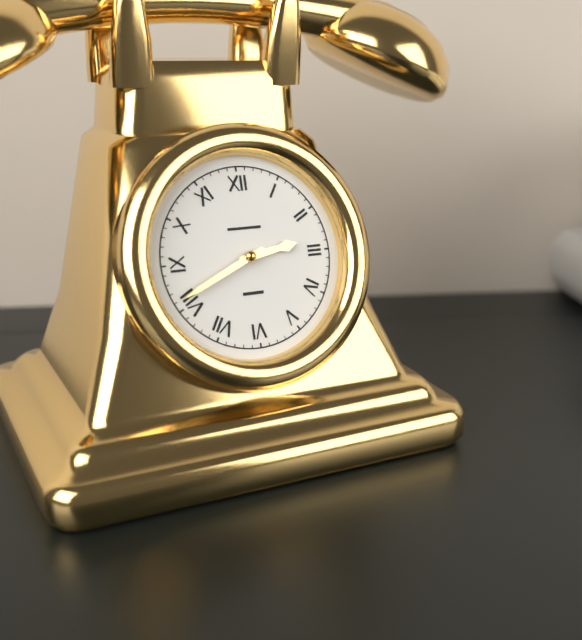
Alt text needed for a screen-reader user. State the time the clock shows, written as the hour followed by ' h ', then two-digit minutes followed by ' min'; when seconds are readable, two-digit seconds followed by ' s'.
2 h 41 min
